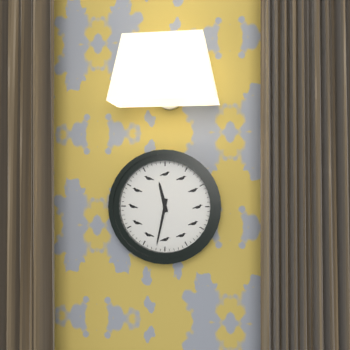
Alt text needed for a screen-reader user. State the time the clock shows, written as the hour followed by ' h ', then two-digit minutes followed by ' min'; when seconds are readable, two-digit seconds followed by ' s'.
11 h 32 min
